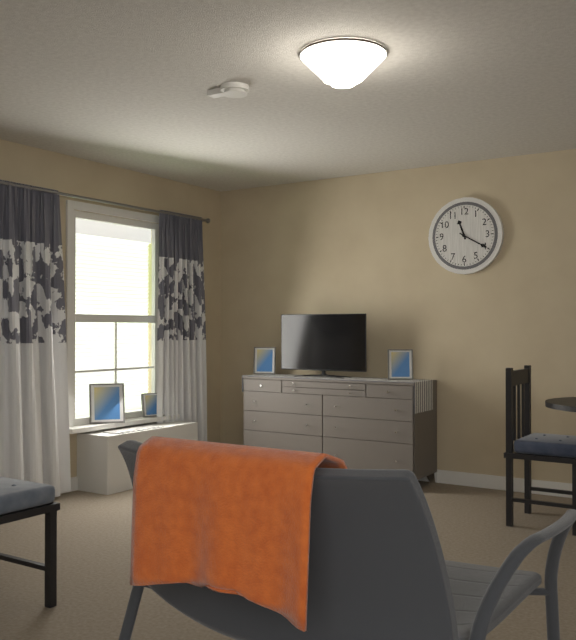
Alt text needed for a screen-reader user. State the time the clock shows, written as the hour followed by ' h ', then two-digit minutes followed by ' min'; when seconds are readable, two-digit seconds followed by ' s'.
11 h 20 min
